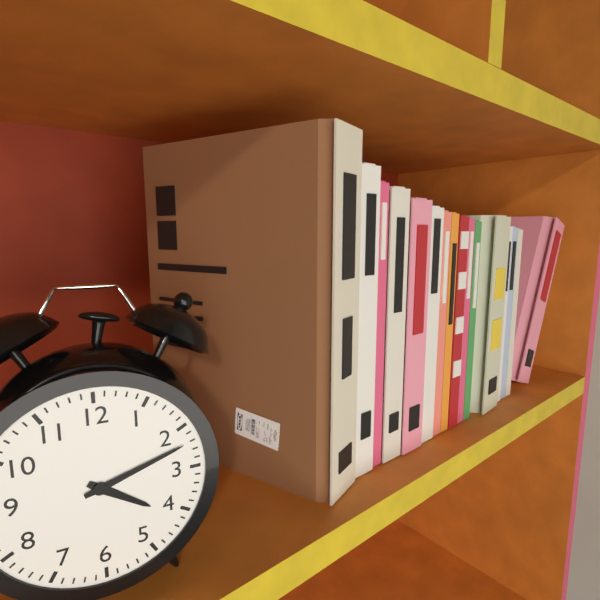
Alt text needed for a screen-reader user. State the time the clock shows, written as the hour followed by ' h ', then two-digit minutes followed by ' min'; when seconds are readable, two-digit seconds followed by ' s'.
4 h 12 min
